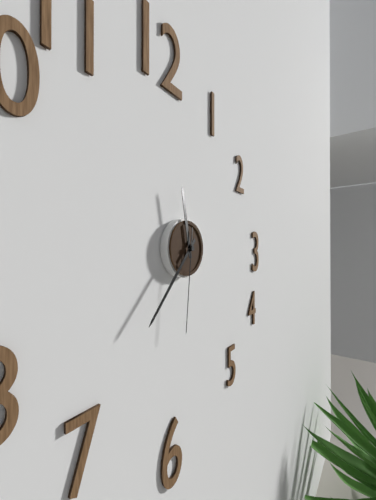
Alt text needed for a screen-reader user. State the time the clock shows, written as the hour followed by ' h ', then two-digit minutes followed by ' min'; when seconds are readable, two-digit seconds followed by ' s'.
11 h 37 min 31 s
